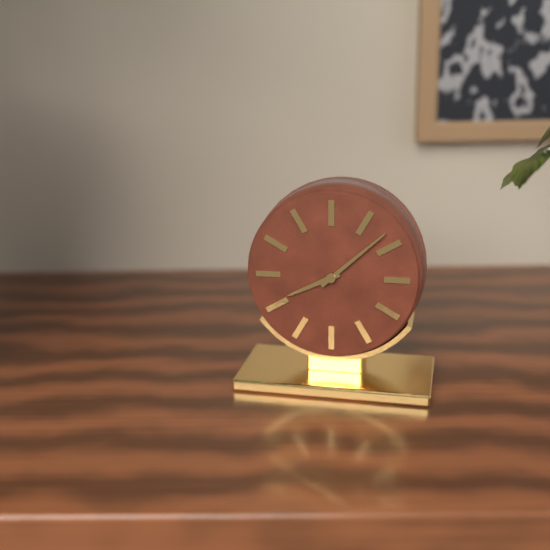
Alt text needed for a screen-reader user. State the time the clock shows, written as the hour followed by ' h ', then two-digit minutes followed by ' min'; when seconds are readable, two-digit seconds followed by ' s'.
8 h 08 min
